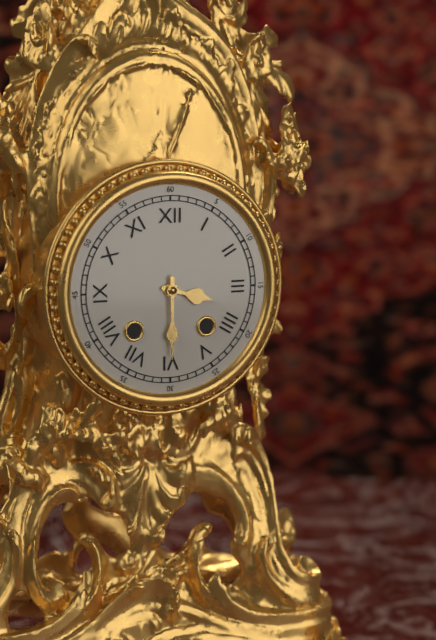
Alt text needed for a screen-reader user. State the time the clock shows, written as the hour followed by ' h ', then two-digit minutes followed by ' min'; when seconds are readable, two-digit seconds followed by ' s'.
3 h 30 min
